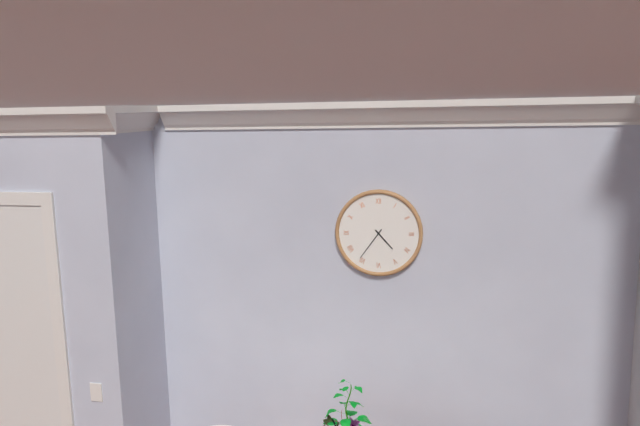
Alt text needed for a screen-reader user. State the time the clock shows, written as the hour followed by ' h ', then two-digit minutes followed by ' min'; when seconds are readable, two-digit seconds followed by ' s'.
4 h 36 min
